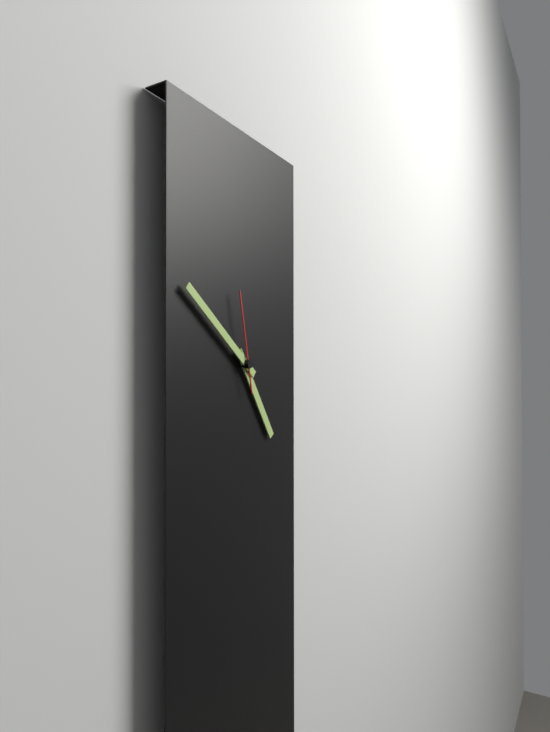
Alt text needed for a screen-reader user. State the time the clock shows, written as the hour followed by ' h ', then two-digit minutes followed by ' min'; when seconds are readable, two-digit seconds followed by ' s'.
4 h 51 min 58 s
